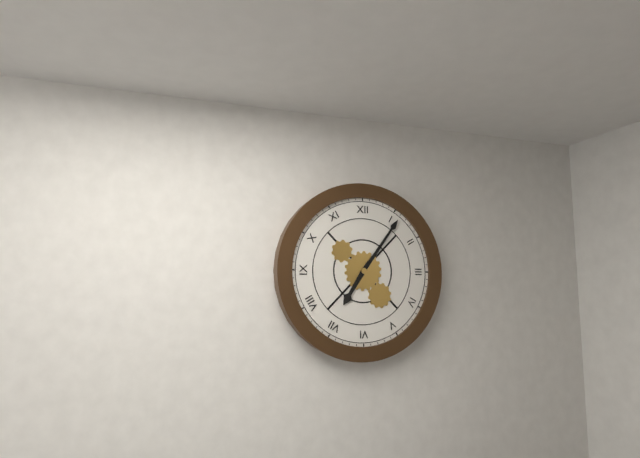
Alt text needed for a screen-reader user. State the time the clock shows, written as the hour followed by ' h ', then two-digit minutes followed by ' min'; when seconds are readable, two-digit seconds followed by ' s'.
7 h 06 min
